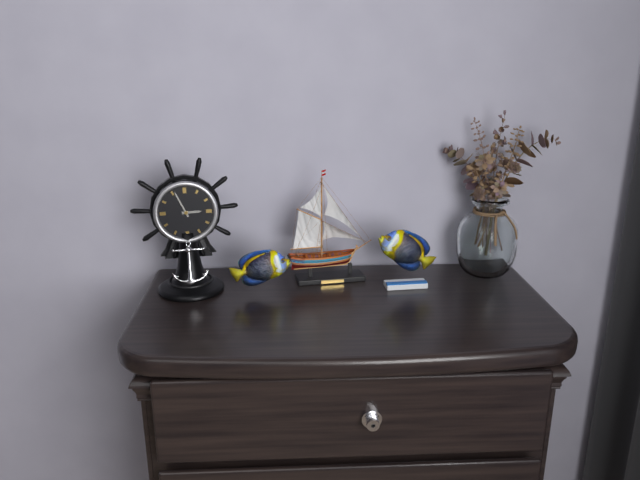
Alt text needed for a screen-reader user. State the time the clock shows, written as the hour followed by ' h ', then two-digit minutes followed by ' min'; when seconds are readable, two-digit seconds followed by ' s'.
2 h 56 min
